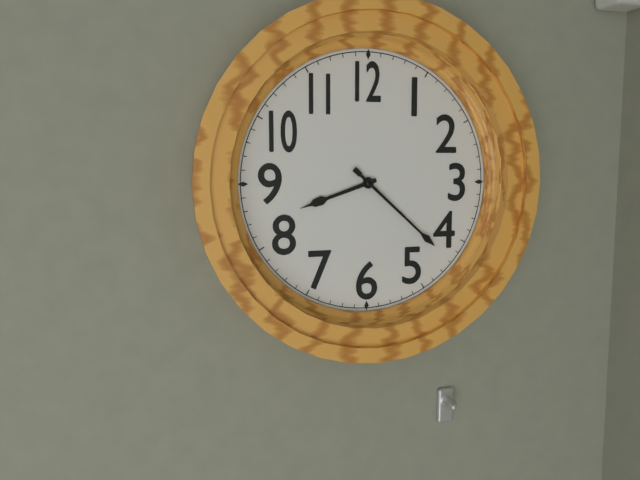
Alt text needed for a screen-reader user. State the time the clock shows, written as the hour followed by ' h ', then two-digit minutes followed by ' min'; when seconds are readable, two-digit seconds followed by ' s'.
8 h 22 min
